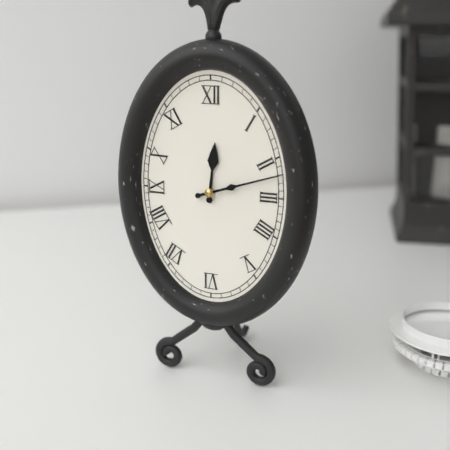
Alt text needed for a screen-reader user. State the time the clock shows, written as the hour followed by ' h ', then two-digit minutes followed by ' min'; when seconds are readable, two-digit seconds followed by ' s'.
12 h 12 min
